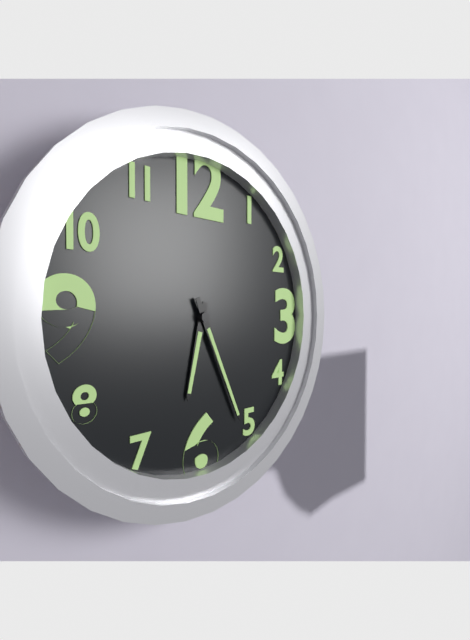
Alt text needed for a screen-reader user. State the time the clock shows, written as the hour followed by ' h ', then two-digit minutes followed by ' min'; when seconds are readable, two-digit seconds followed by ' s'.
6 h 26 min
